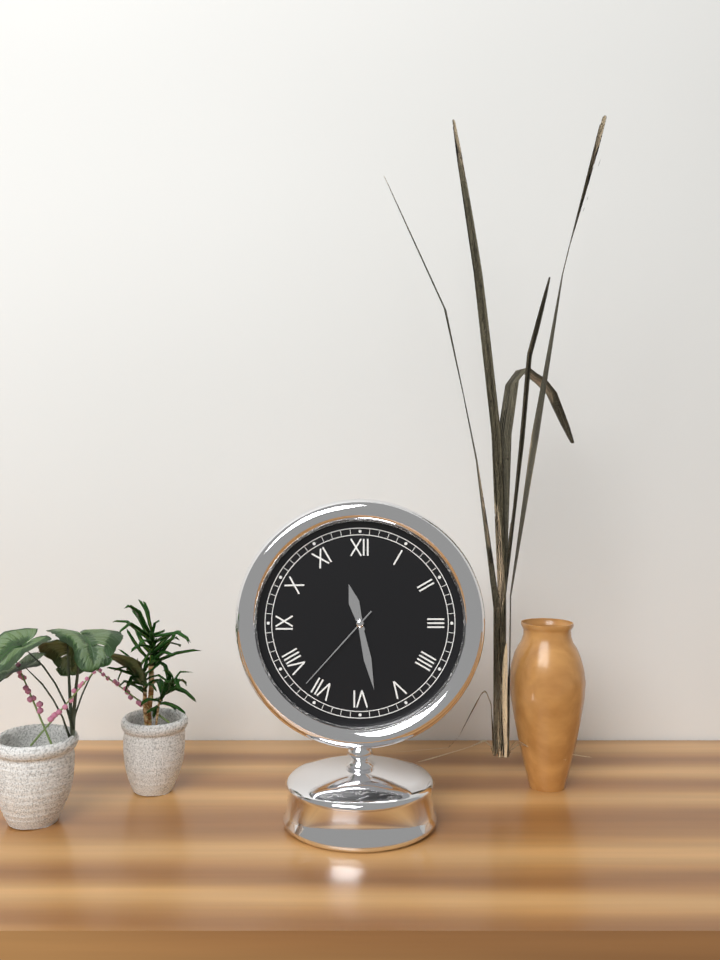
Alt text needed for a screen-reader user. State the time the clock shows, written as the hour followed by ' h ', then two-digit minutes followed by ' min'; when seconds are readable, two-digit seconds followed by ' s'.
11 h 28 min 37 s
